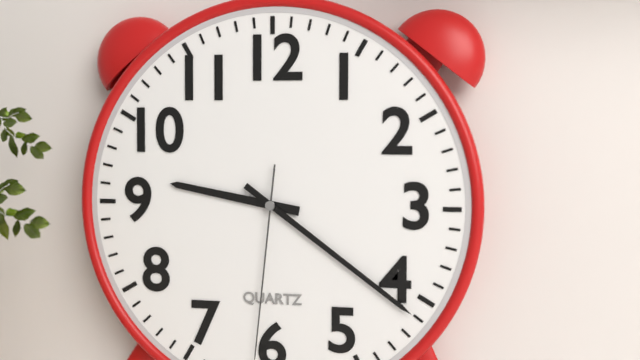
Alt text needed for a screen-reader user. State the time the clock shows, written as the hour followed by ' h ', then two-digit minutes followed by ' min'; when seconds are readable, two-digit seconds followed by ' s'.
9 h 21 min
